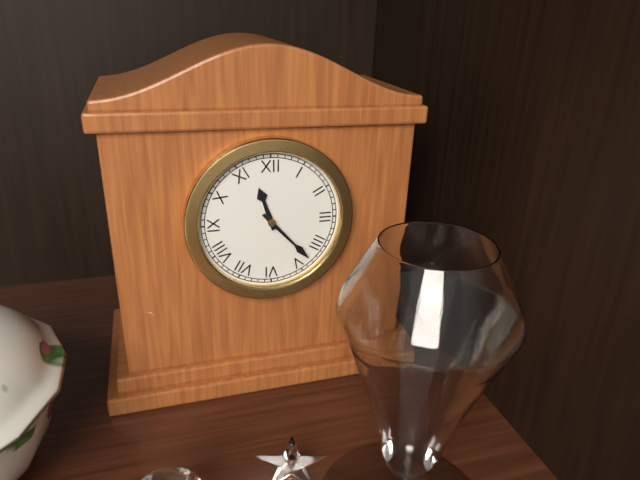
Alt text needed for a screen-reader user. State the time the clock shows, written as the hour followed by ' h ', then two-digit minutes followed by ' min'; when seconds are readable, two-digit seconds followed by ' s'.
11 h 23 min
